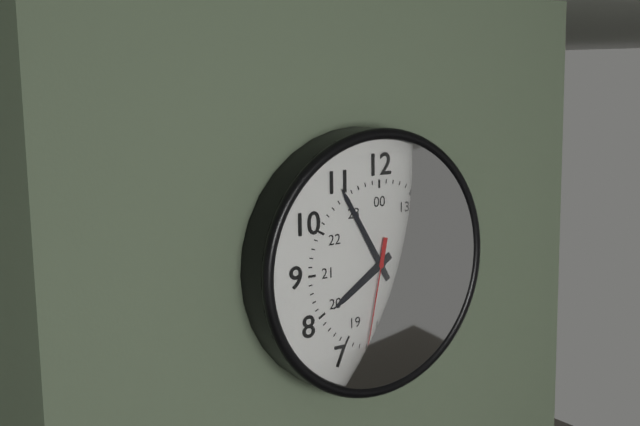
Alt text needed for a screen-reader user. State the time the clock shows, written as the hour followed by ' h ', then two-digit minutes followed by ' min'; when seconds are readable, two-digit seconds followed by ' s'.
7 h 55 min 32 s
